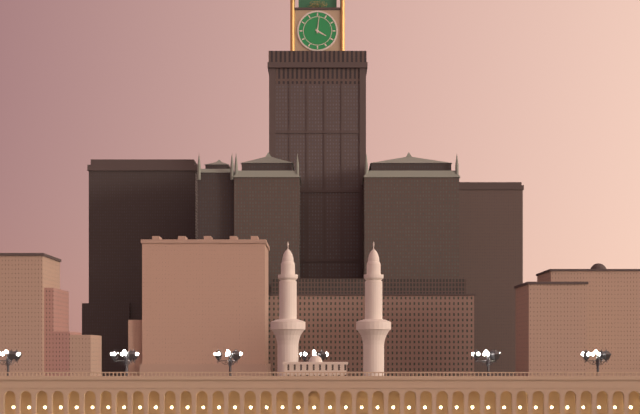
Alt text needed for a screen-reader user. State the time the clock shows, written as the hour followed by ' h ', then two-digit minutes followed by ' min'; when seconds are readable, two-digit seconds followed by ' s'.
4 h 01 min
